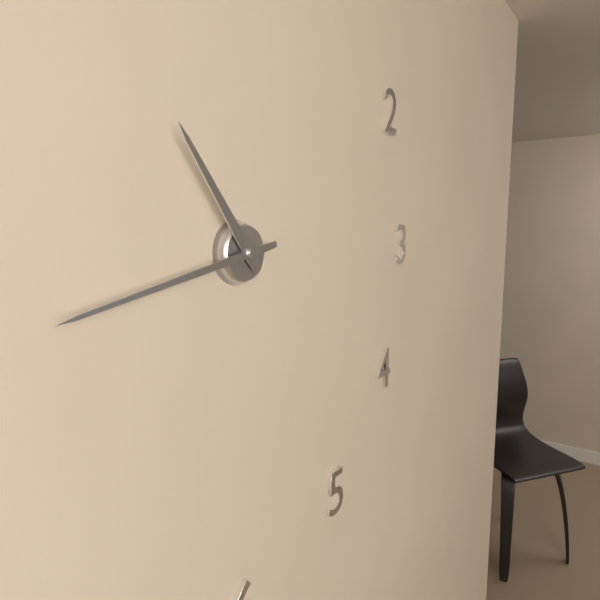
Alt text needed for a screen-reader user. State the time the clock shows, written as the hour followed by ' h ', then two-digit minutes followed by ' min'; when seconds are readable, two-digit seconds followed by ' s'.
10 h 43 min
